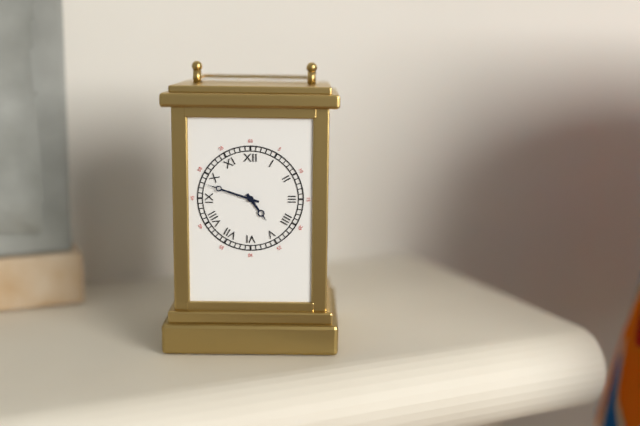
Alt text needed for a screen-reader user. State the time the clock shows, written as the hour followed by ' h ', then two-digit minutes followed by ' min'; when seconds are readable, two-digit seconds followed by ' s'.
4 h 48 min
